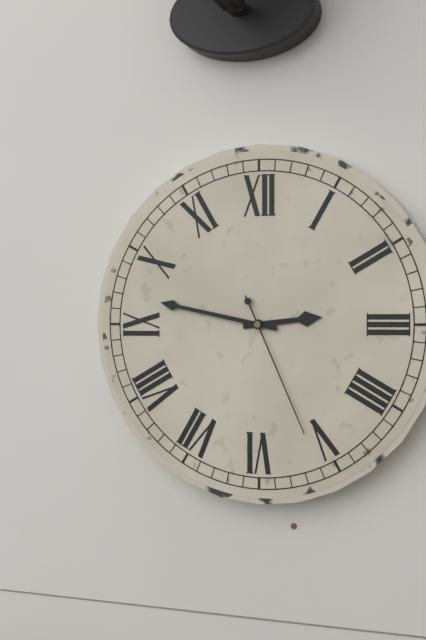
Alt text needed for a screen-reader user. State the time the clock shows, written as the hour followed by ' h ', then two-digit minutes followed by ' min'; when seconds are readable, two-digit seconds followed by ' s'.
2 h 47 min 26 s
